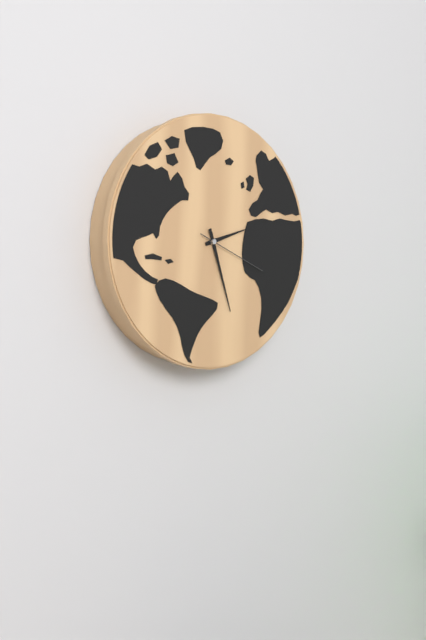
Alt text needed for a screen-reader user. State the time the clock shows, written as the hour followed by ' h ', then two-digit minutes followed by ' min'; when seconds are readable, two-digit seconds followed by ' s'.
2 h 27 min 19 s
